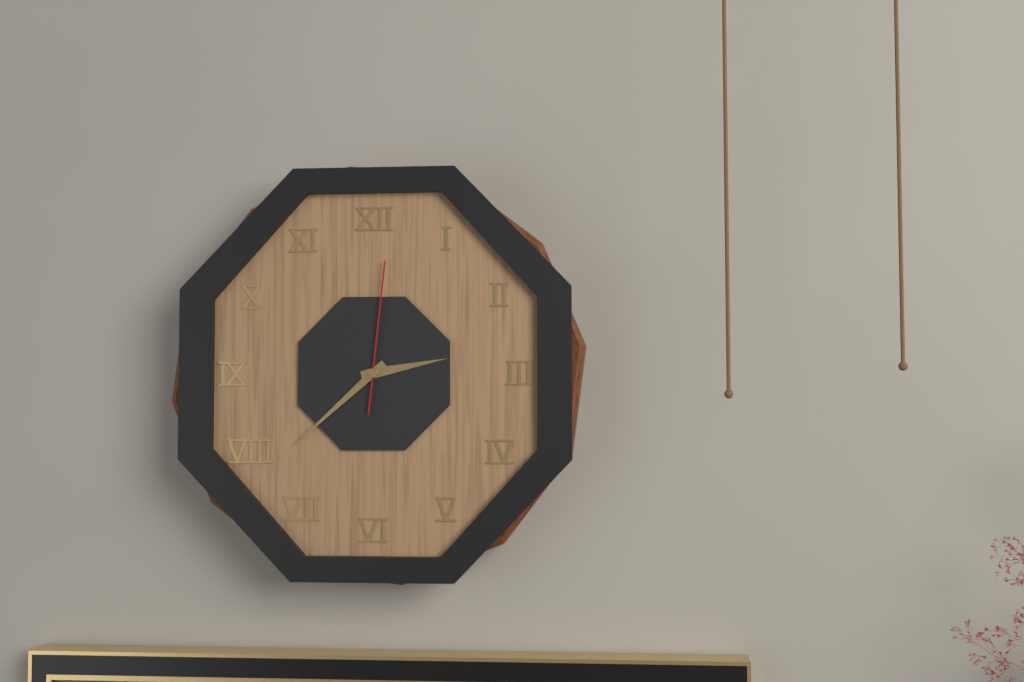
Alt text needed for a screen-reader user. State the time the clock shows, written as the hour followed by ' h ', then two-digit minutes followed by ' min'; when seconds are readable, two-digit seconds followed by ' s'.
2 h 38 min 01 s
